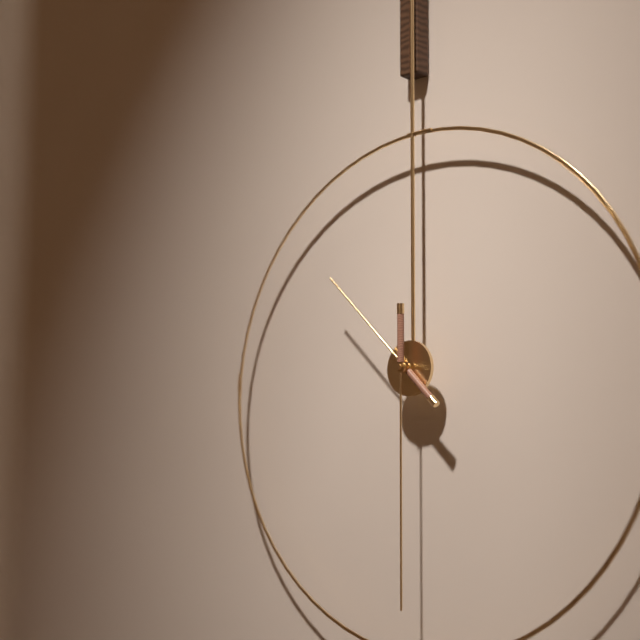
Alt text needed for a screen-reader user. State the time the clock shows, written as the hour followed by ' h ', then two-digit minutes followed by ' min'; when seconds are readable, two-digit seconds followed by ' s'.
10 h 30 min
